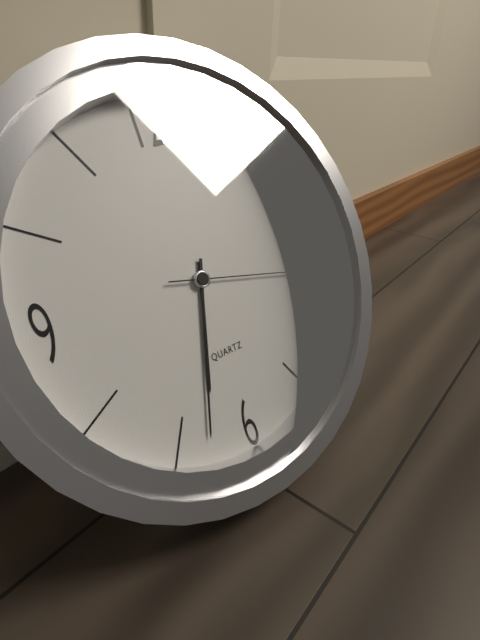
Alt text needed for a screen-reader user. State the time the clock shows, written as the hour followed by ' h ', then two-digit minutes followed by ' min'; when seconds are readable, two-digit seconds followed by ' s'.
6 h 33 min 17 s
